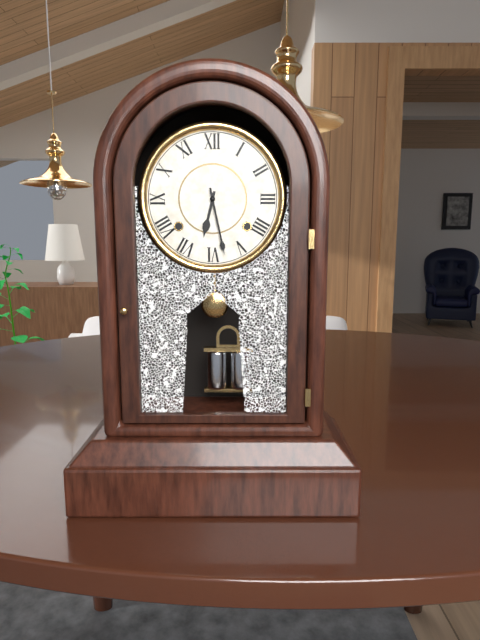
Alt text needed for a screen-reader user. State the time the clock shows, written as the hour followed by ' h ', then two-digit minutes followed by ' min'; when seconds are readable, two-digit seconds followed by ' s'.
6 h 28 min
